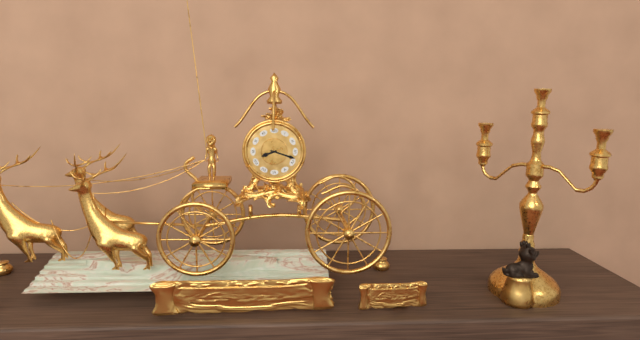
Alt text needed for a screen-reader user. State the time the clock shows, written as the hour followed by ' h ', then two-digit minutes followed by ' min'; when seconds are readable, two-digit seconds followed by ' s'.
8 h 18 min
